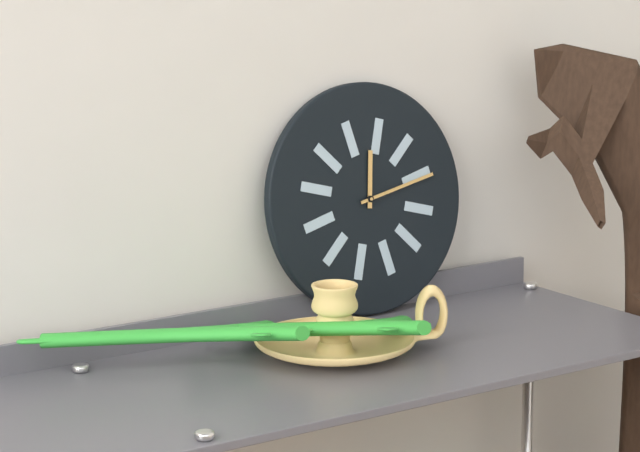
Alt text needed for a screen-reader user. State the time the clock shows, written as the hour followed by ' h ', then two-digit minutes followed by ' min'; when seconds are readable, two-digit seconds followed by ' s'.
12 h 13 min
